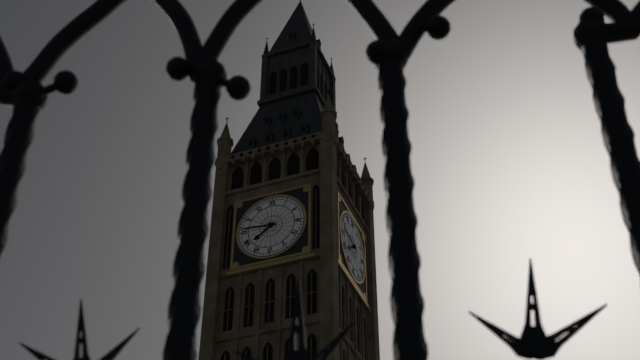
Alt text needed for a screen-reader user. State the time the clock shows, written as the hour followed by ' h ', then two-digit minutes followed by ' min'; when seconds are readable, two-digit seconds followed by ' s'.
7 h 46 min
